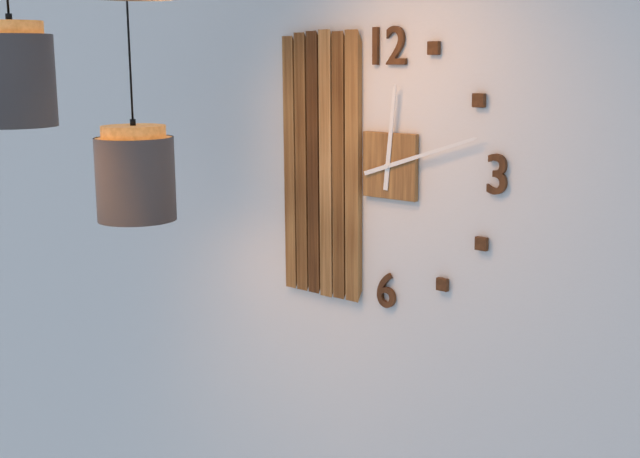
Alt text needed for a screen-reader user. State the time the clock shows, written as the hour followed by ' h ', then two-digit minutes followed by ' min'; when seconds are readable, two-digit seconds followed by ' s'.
12 h 12 min
